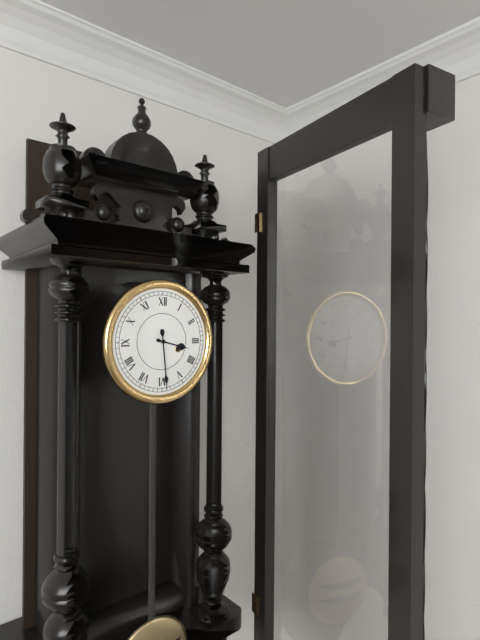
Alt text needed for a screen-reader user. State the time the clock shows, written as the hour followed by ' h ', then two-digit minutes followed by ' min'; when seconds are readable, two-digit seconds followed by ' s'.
3 h 29 min
